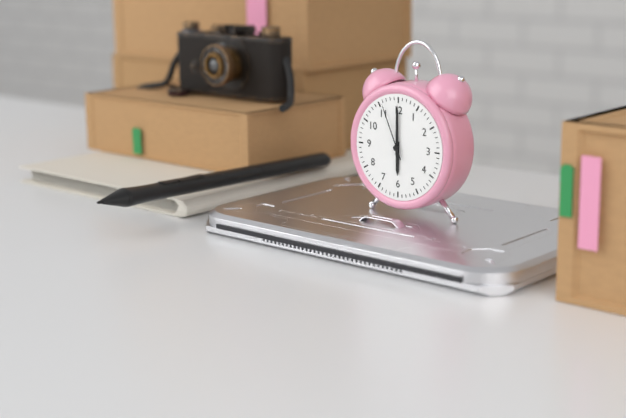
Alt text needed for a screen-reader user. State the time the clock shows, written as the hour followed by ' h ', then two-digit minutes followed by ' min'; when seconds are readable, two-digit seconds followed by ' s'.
6 h 00 min 56 s
